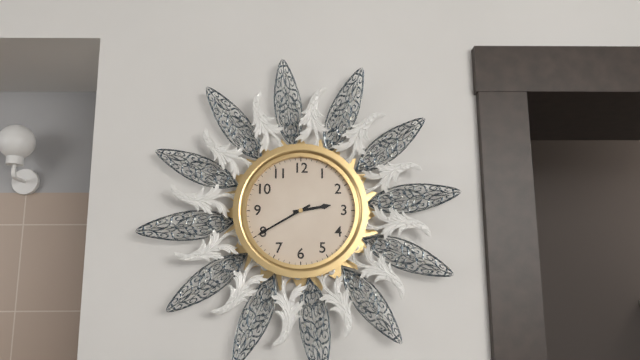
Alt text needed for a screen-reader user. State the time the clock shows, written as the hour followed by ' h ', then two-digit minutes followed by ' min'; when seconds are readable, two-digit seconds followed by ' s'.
2 h 40 min
